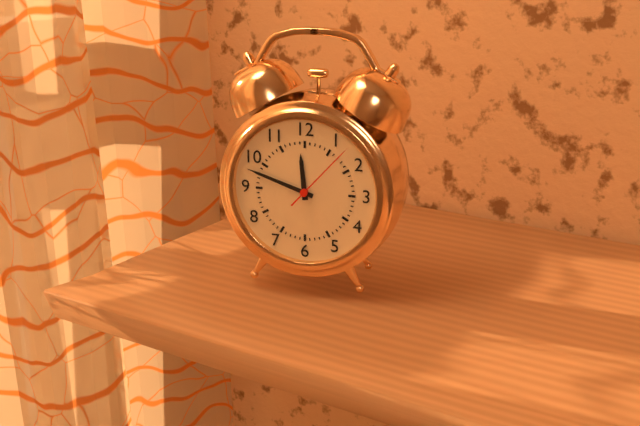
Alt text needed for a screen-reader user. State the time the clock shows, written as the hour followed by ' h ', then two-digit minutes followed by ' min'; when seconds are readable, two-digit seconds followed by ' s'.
11 h 48 min 07 s
